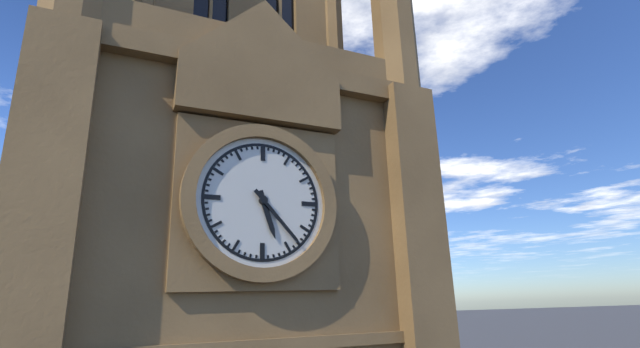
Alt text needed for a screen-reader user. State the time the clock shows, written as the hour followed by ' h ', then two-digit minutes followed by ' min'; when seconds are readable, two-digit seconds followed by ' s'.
5 h 23 min
